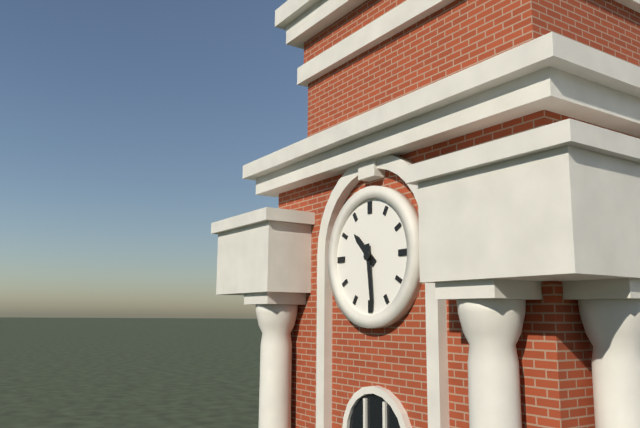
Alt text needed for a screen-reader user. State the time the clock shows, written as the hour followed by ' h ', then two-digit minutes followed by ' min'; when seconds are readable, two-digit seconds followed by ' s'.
10 h 29 min
